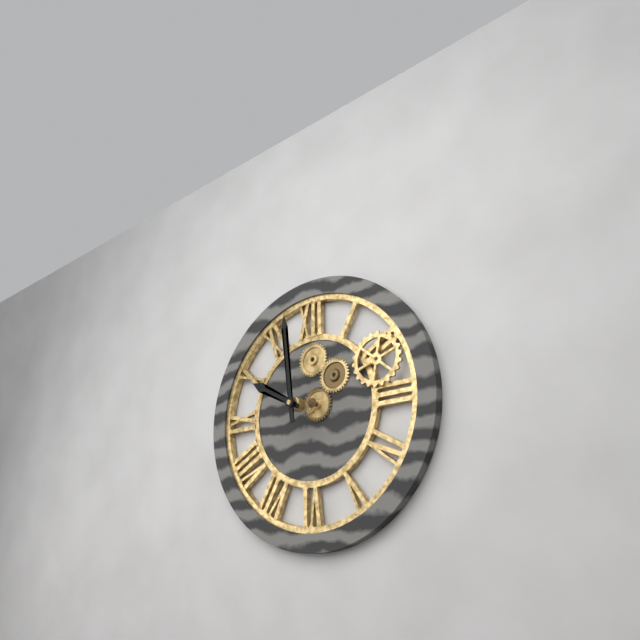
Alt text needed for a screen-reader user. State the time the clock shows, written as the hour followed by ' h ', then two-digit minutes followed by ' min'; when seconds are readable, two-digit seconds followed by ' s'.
9 h 59 min
